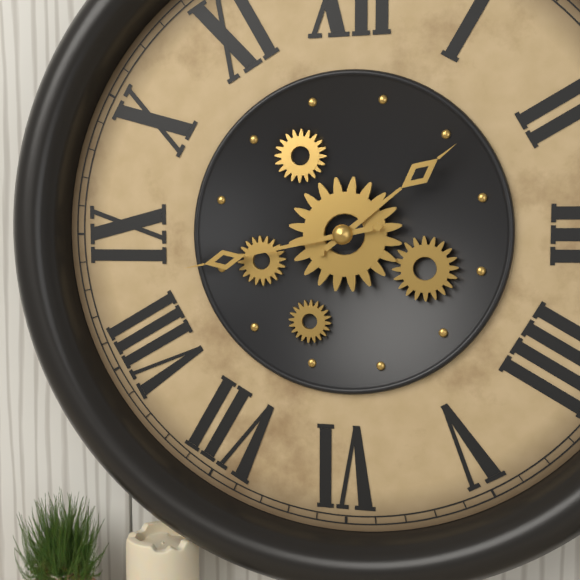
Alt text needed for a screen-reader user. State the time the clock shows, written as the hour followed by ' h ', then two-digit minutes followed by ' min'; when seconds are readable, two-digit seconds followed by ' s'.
1 h 43 min
